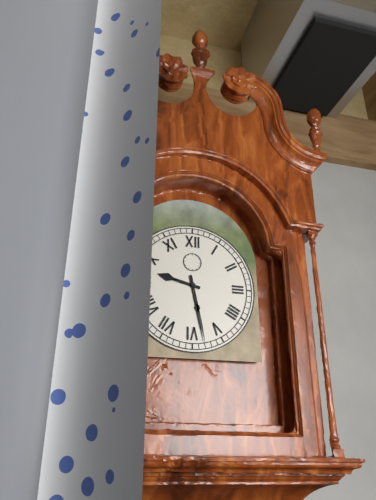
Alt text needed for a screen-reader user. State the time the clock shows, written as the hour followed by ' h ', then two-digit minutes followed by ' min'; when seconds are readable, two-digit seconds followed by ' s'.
9 h 28 min
